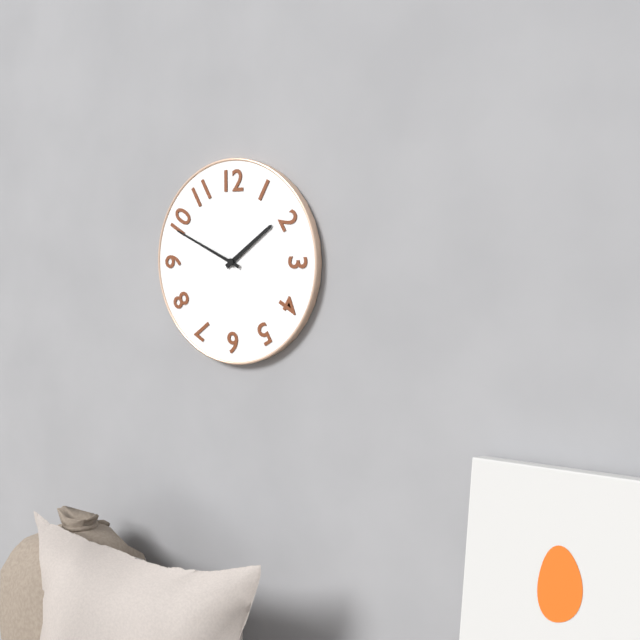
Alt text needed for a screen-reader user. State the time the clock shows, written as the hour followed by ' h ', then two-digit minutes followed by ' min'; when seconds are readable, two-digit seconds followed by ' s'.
1 h 49 min
